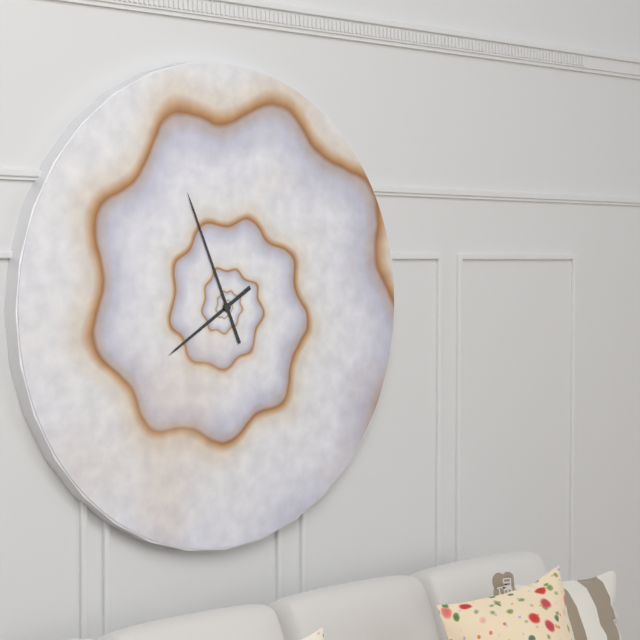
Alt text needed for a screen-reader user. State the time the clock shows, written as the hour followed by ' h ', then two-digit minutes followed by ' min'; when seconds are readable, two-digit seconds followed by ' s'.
7 h 56 min
